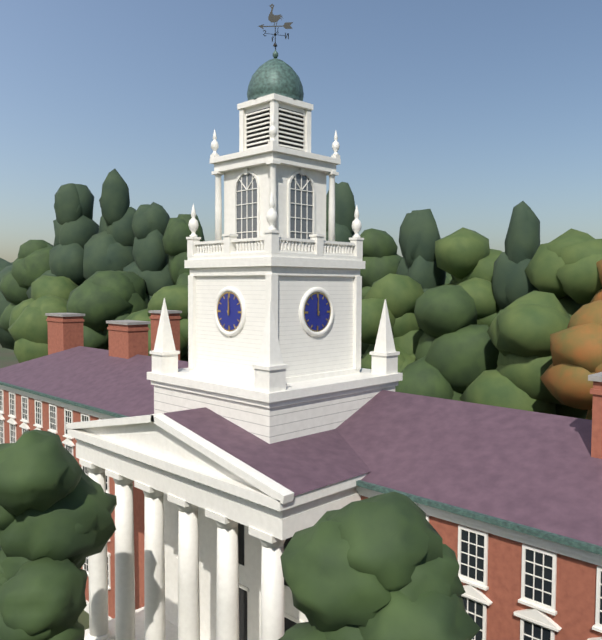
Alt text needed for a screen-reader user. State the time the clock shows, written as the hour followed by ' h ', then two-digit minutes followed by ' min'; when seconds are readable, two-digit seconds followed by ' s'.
12 h 00 min
